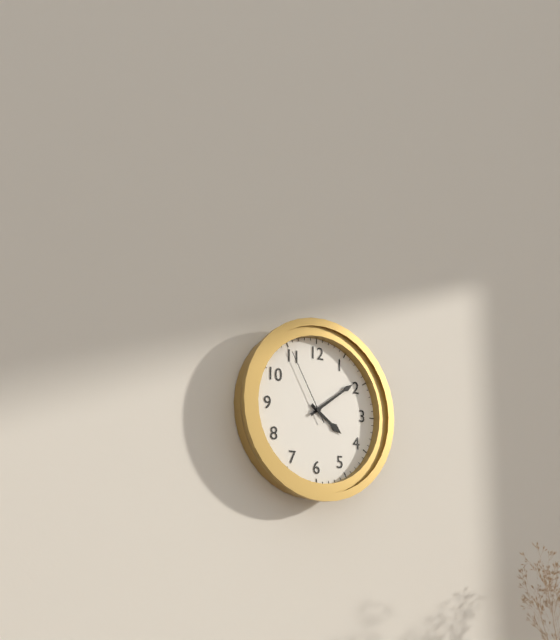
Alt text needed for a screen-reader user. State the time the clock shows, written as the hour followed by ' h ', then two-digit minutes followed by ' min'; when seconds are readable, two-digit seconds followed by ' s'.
4 h 09 min 55 s
